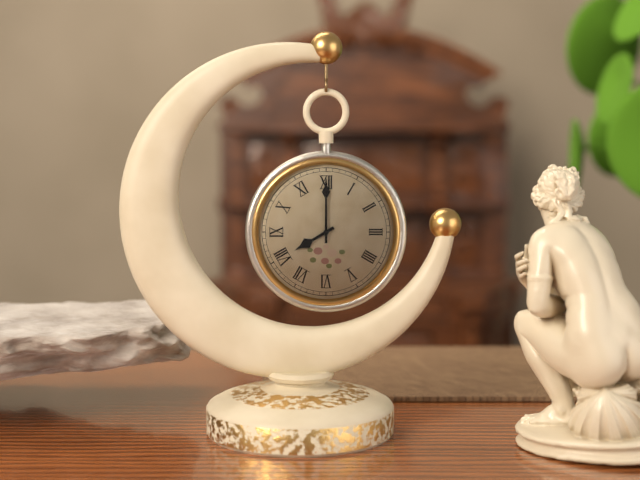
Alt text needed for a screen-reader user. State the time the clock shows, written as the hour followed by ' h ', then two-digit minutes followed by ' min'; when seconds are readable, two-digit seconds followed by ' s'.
8 h 00 min
